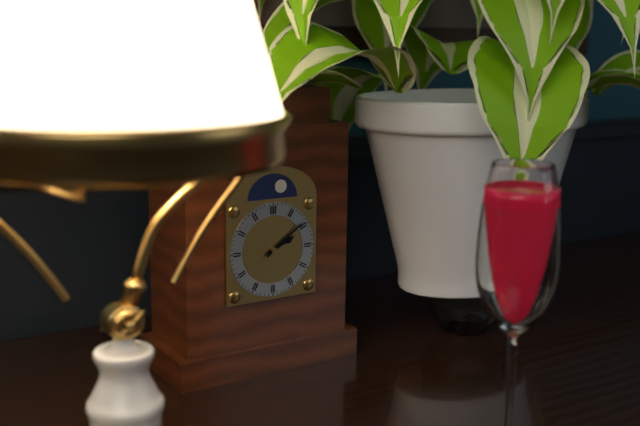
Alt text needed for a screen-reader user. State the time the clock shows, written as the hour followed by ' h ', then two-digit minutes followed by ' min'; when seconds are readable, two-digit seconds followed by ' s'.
2 h 09 min
